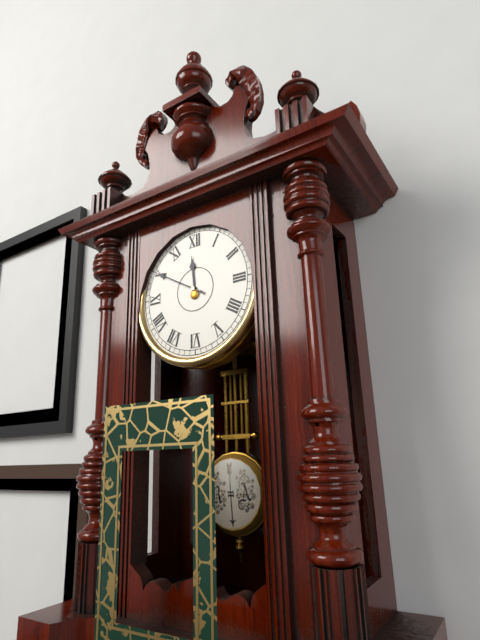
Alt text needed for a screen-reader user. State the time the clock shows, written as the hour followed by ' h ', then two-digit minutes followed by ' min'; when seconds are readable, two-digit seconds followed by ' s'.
11 h 50 min
